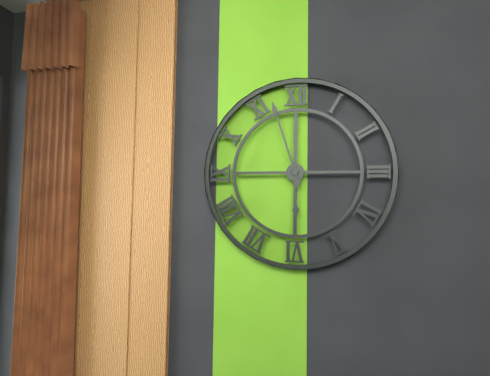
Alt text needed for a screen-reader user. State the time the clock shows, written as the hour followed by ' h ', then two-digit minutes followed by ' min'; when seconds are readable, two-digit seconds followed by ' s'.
5 h 57 min
